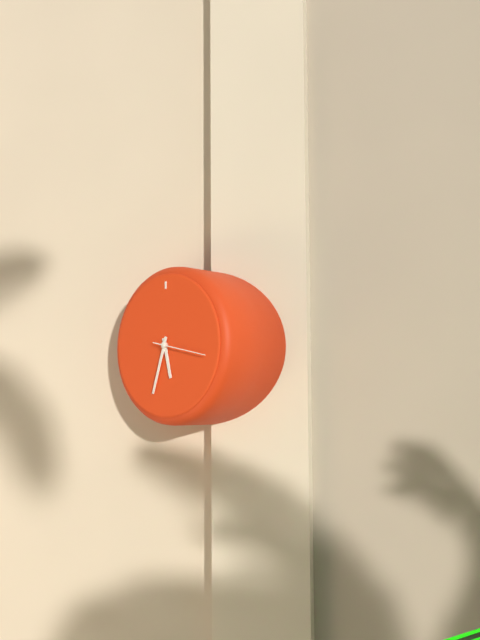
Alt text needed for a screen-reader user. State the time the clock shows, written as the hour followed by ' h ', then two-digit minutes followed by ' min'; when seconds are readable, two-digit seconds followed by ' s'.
5 h 33 min 17 s
